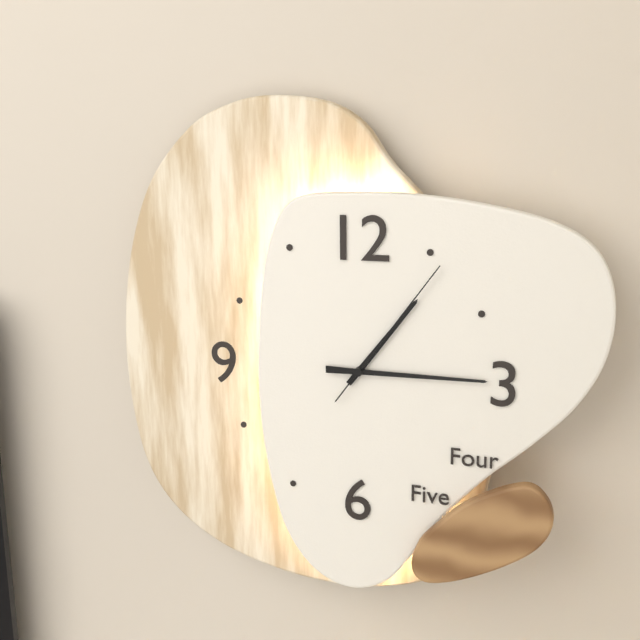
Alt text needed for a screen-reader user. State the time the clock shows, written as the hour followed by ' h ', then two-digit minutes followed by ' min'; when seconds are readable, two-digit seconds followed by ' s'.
1 h 15 min 06 s
